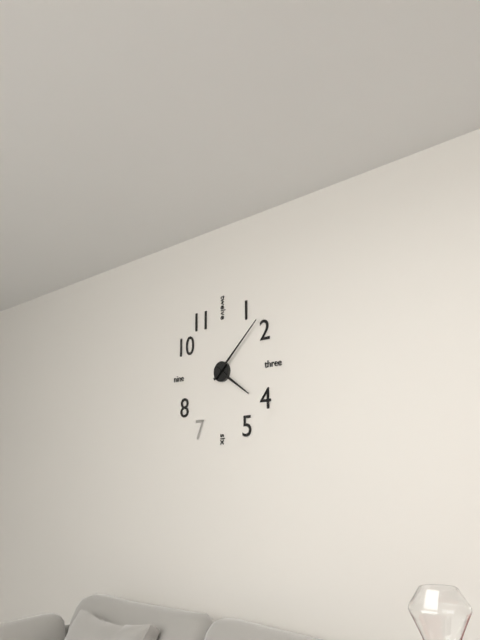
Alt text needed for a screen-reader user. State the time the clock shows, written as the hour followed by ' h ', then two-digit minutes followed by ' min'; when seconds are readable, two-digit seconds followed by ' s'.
4 h 08 min
